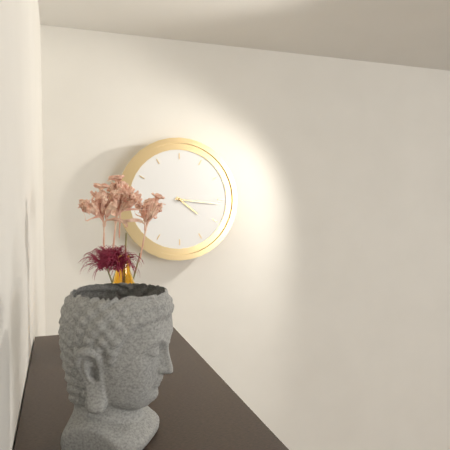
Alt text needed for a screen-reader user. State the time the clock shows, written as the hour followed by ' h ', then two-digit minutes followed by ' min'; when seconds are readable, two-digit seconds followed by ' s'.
4 h 16 min
